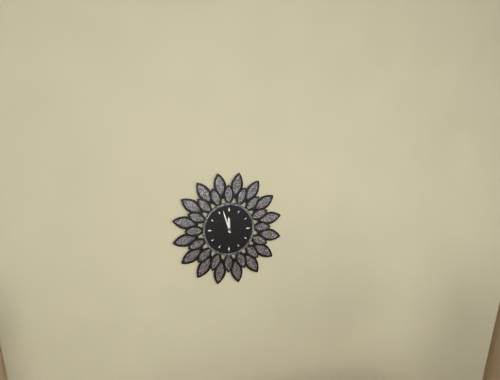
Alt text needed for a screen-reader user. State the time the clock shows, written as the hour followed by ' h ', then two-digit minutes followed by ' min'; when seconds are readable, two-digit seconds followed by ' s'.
11 h 57 min
